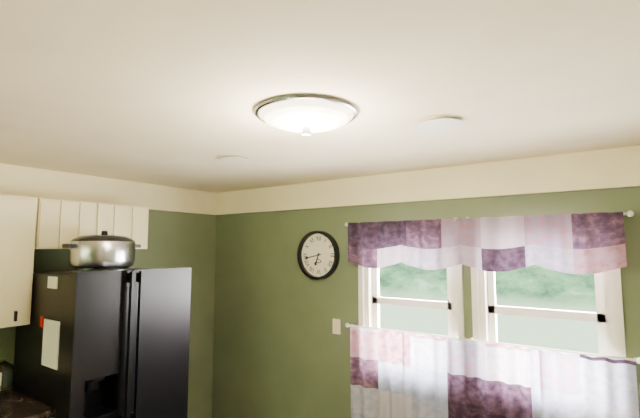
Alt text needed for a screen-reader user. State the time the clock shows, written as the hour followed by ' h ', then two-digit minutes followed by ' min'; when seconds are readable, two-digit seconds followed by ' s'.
6 h 43 min
